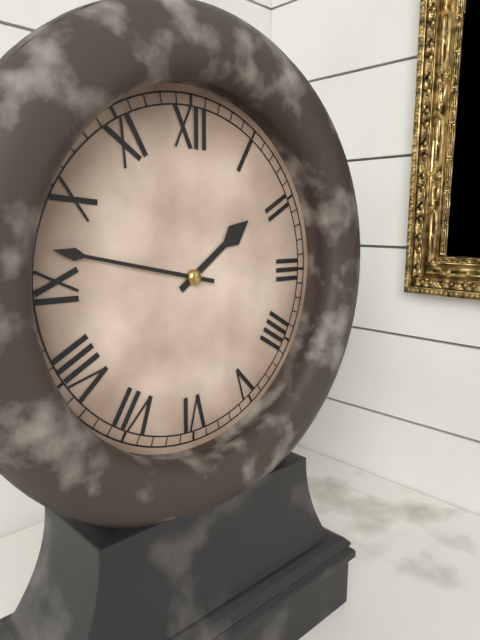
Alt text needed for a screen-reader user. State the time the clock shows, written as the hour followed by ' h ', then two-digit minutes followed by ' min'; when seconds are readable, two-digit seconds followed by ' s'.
1 h 47 min
